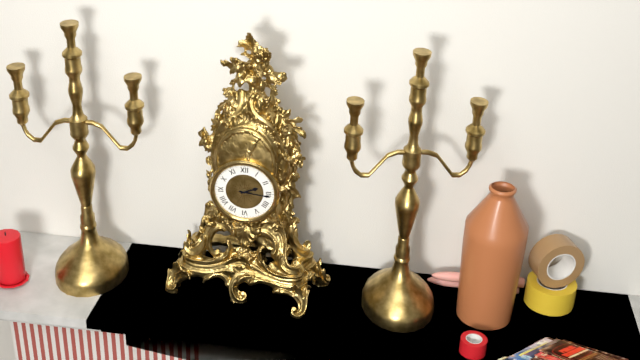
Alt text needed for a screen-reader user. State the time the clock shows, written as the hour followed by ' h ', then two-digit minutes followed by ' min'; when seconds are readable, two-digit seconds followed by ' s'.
2 h 16 min
